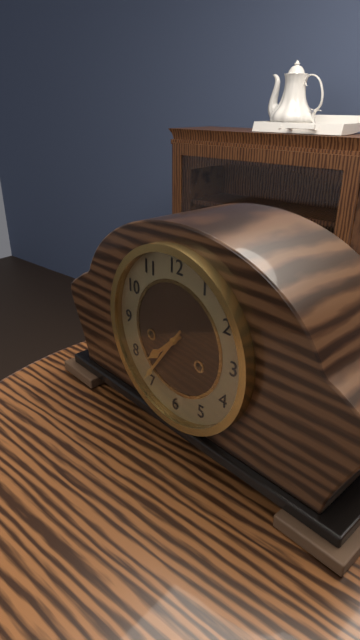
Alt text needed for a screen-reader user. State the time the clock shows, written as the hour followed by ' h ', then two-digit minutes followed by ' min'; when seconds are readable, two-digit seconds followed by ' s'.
7 h 36 min
